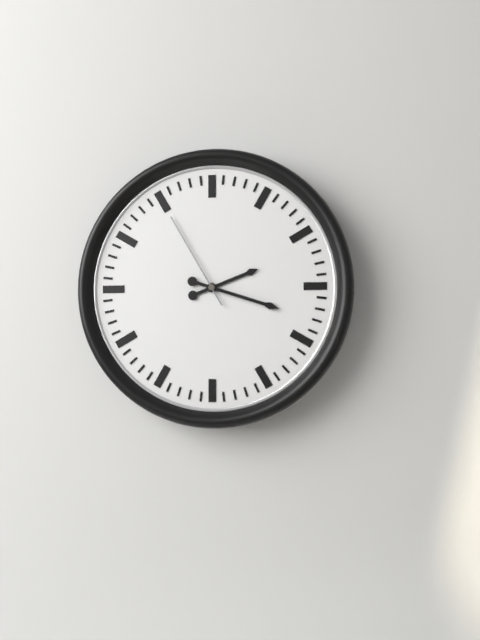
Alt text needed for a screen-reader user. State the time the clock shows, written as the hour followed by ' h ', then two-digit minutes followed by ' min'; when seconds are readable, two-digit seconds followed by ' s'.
2 h 18 min 55 s
